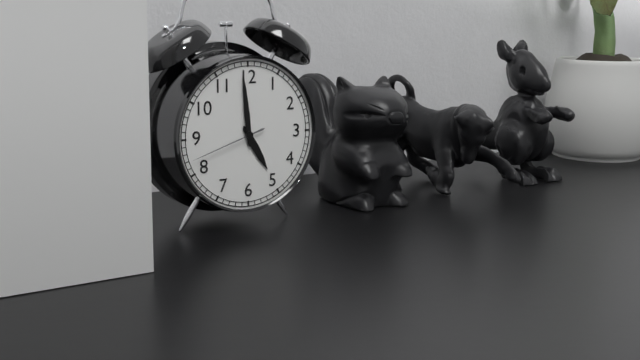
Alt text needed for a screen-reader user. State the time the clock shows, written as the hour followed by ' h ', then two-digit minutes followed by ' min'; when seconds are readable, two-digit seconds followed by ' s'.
4 h 59 min 42 s
